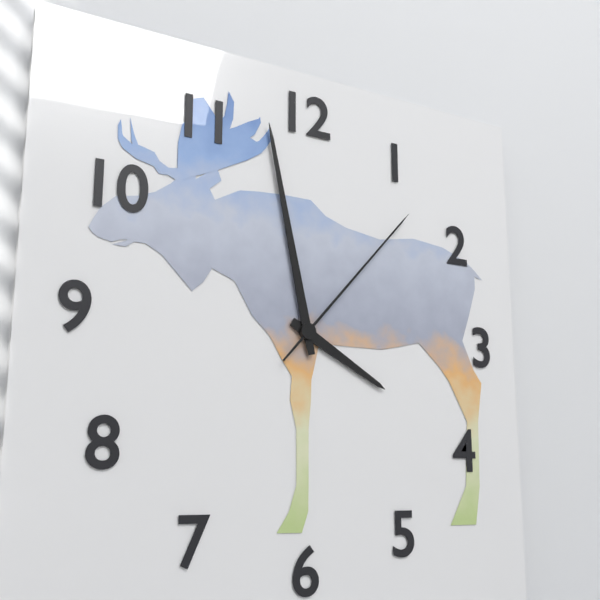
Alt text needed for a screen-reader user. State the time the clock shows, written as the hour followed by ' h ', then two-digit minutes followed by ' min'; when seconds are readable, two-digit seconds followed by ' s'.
3 h 58 min 07 s
